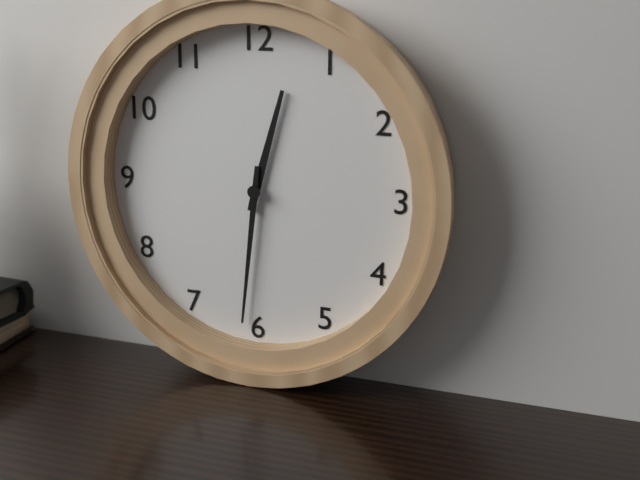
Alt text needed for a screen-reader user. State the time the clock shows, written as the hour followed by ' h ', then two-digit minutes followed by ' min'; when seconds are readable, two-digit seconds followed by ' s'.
12 h 31 min
